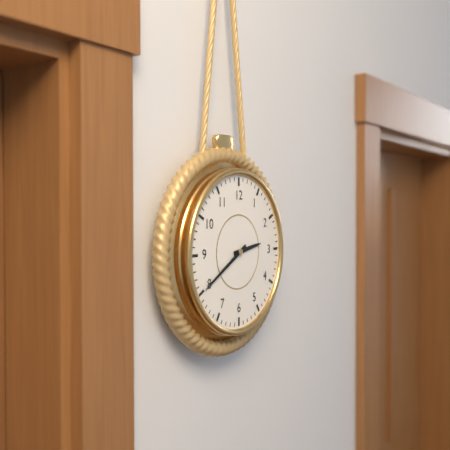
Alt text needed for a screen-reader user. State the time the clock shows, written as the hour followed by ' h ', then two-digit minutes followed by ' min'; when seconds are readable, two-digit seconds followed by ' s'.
2 h 40 min
